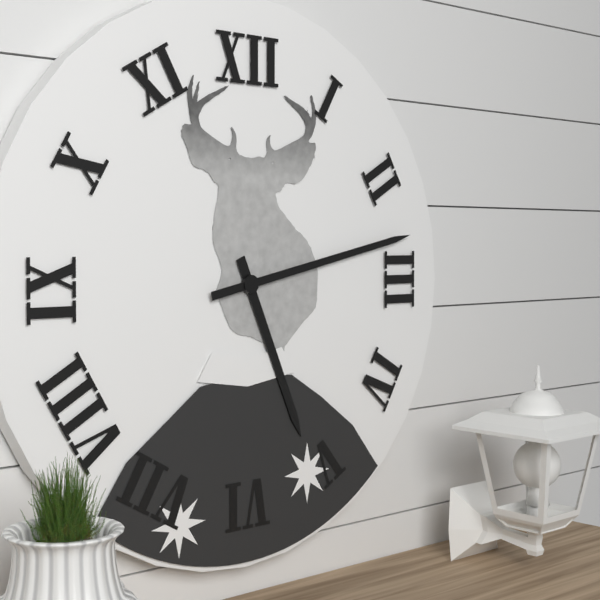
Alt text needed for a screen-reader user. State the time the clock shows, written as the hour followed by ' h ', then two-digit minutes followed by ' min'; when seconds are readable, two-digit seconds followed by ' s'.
5 h 13 min
